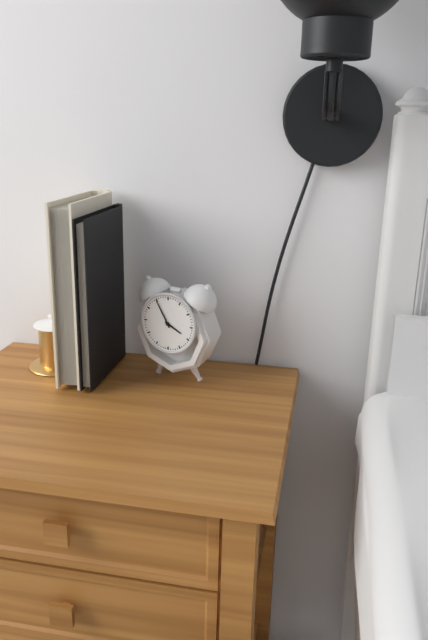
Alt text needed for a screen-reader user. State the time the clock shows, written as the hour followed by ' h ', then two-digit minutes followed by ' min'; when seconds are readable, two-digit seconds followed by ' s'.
3 h 55 min
